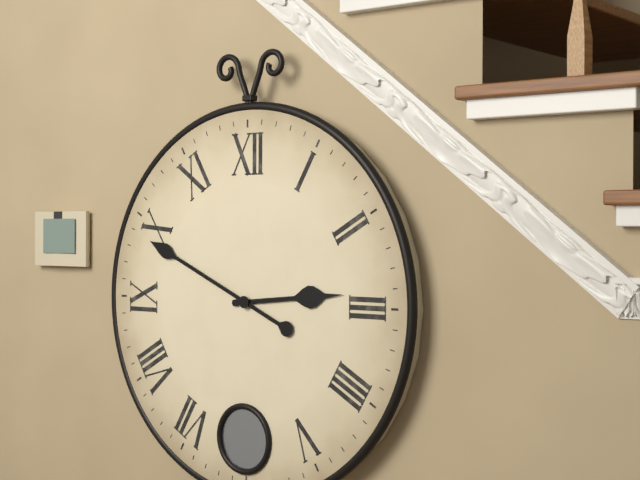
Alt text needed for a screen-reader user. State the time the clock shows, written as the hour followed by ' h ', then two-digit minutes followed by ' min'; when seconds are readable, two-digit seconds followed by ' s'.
2 h 49 min
